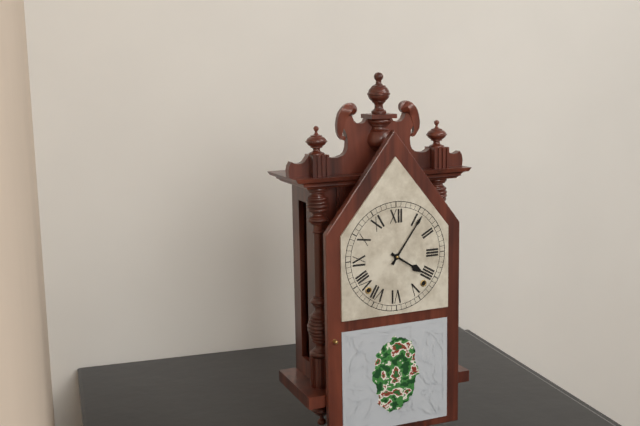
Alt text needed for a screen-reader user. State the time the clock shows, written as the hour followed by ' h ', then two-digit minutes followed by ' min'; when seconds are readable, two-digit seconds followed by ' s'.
4 h 06 min
